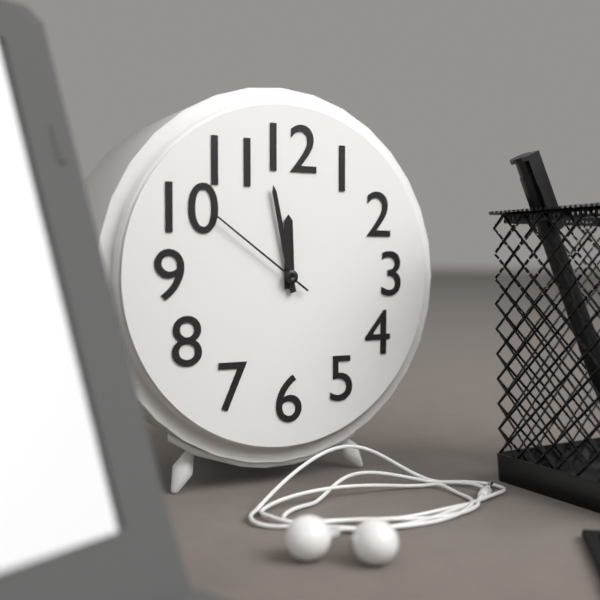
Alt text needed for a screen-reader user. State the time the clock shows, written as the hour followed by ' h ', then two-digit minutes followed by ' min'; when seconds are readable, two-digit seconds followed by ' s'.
11 h 58 min 51 s
